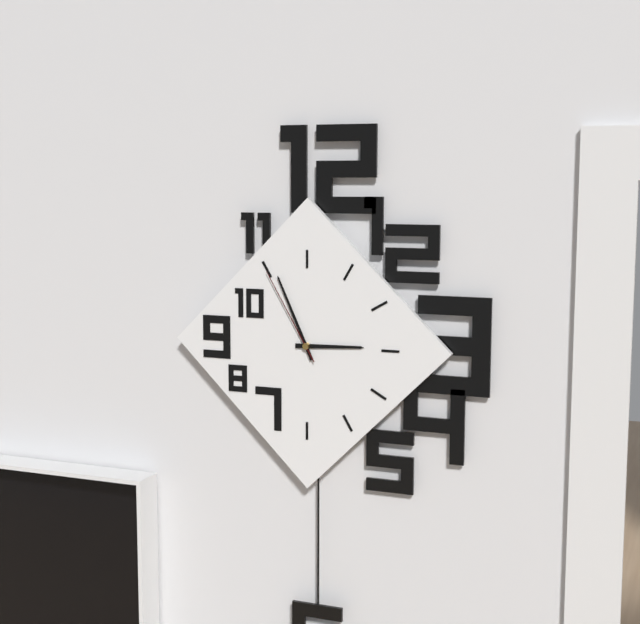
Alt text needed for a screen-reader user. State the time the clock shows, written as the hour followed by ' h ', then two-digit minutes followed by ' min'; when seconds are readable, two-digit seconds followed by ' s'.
2 h 56 min 55 s
